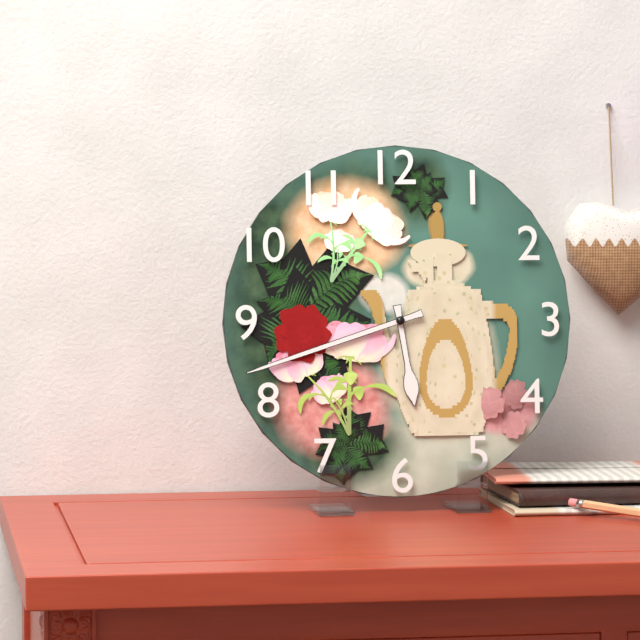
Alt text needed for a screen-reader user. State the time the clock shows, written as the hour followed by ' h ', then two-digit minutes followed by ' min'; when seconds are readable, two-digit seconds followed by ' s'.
5 h 42 min
